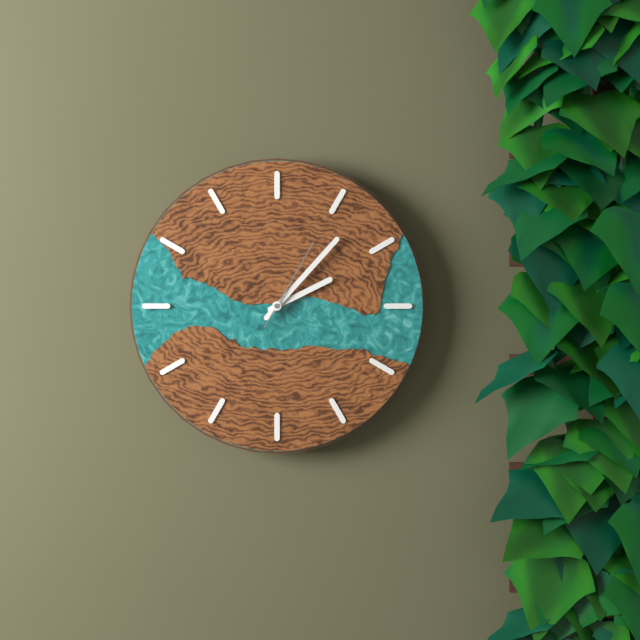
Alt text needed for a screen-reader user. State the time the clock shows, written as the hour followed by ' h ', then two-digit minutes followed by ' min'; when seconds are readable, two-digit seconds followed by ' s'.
2 h 07 min 05 s
